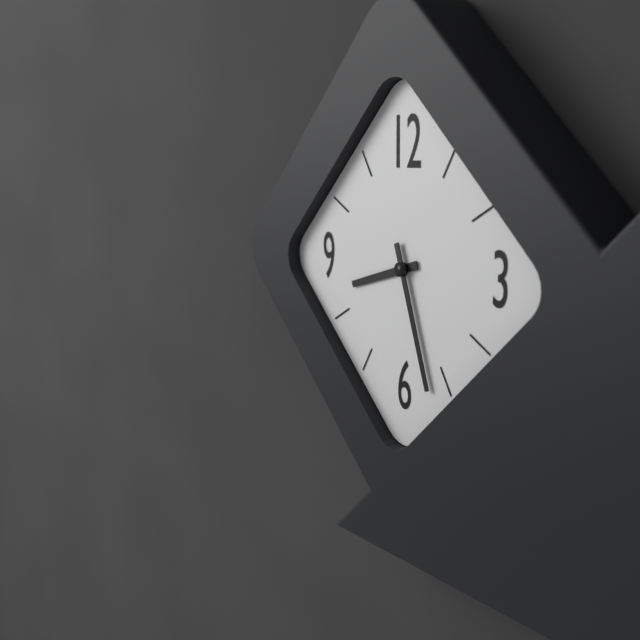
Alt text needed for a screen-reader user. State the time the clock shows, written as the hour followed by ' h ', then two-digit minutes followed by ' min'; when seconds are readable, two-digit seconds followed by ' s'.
8 h 27 min
